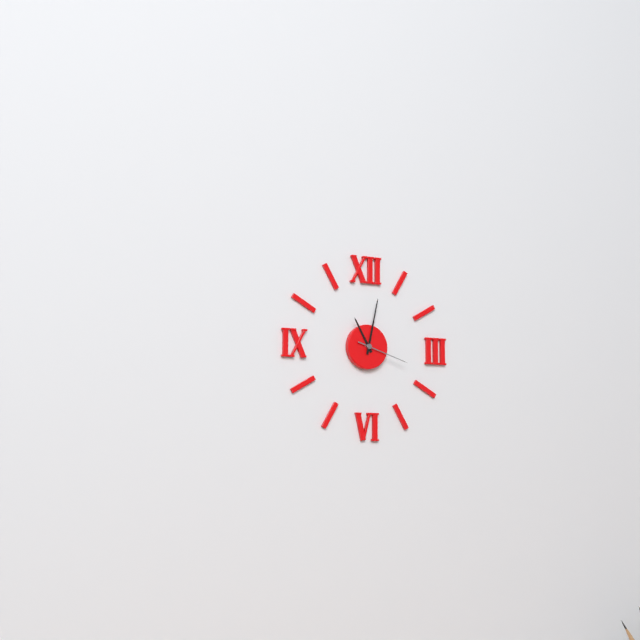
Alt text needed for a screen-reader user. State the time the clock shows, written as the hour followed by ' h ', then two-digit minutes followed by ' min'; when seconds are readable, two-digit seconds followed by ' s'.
11 h 02 min 18 s
